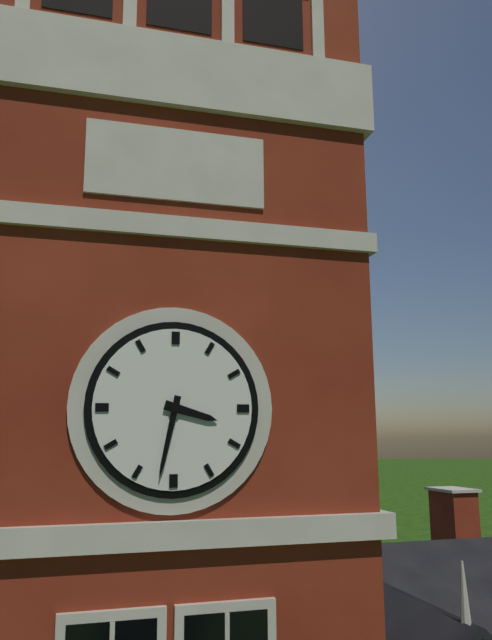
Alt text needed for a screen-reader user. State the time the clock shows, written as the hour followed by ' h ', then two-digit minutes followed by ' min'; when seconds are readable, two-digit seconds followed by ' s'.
3 h 32 min
